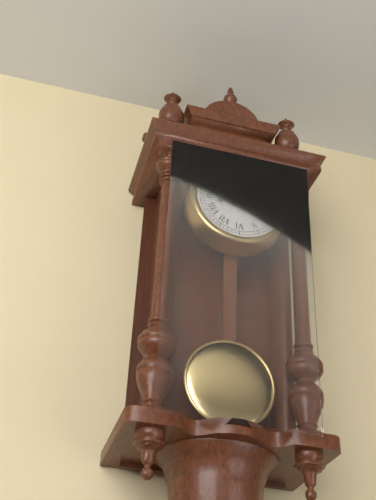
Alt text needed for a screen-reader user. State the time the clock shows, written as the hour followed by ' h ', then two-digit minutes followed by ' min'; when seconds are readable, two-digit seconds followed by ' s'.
10 h 51 min
